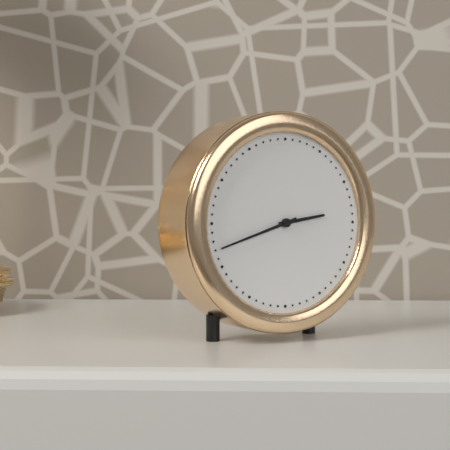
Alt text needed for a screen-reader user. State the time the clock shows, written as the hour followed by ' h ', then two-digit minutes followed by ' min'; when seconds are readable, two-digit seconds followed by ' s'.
2 h 42 min
